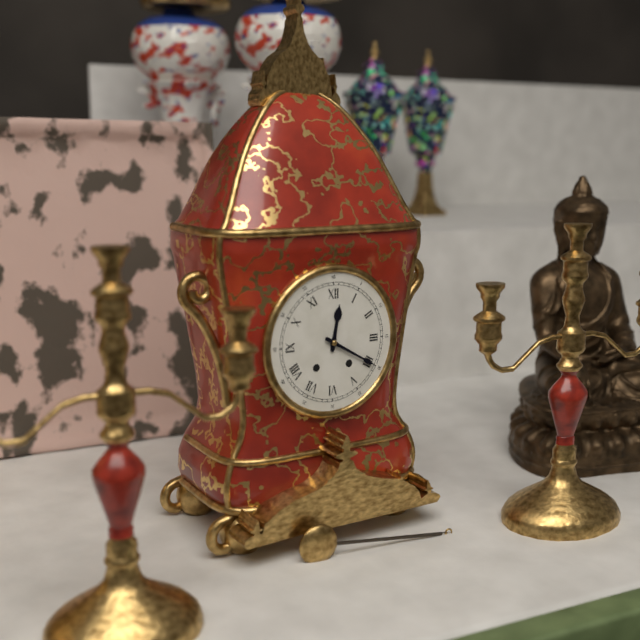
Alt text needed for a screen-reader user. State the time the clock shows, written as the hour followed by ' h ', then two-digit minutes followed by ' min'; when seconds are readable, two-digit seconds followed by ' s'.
12 h 20 min
